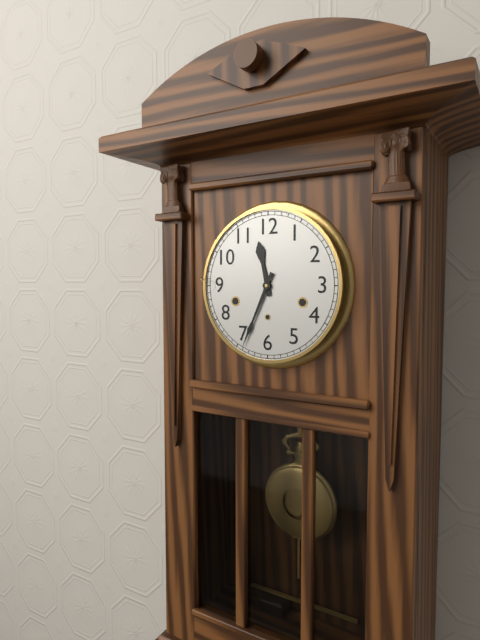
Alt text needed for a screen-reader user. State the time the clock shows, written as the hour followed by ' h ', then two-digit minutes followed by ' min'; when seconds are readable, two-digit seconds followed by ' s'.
11 h 34 min
